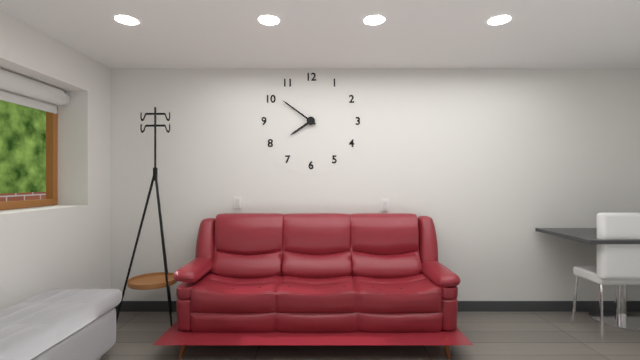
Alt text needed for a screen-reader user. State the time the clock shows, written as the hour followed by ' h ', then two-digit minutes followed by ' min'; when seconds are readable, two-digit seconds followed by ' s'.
7 h 51 min
